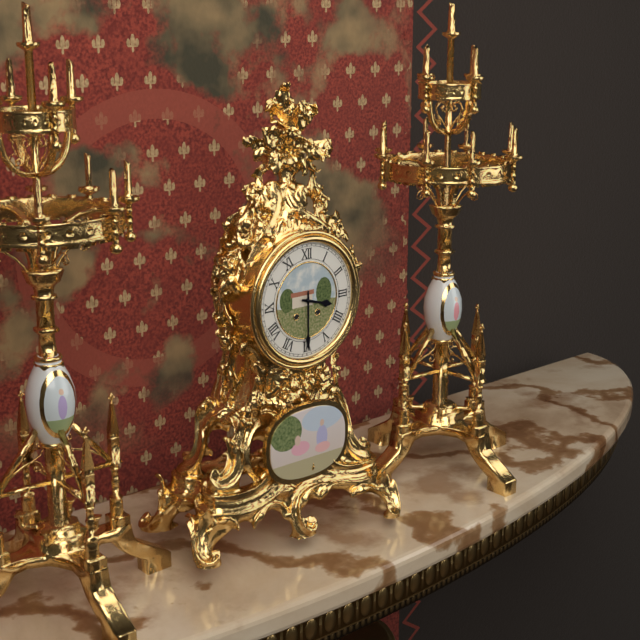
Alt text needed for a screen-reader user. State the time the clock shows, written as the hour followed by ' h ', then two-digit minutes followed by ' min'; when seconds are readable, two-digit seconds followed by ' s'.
3 h 30 min
